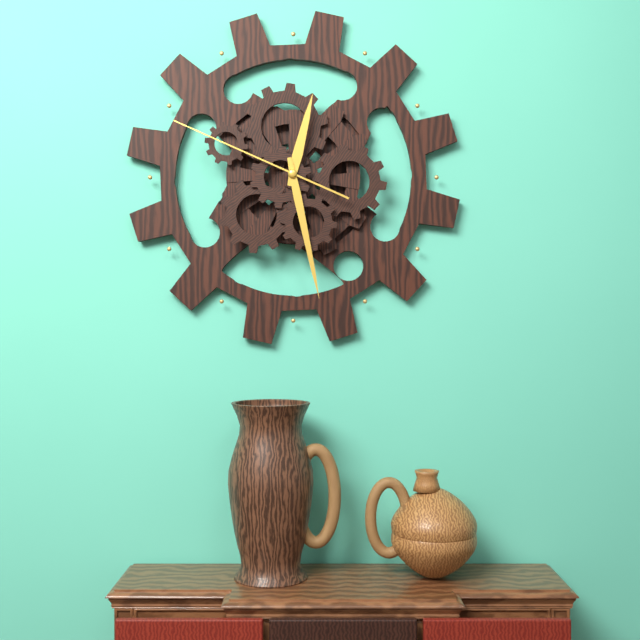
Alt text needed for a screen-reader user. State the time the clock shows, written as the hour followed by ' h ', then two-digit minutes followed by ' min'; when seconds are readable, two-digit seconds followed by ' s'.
12 h 28 min 49 s
